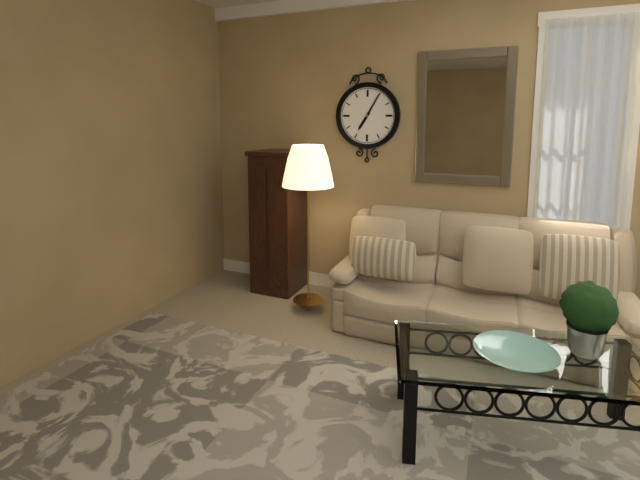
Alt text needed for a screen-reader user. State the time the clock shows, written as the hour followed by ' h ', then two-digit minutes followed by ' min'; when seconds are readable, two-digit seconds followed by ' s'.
7 h 05 min
